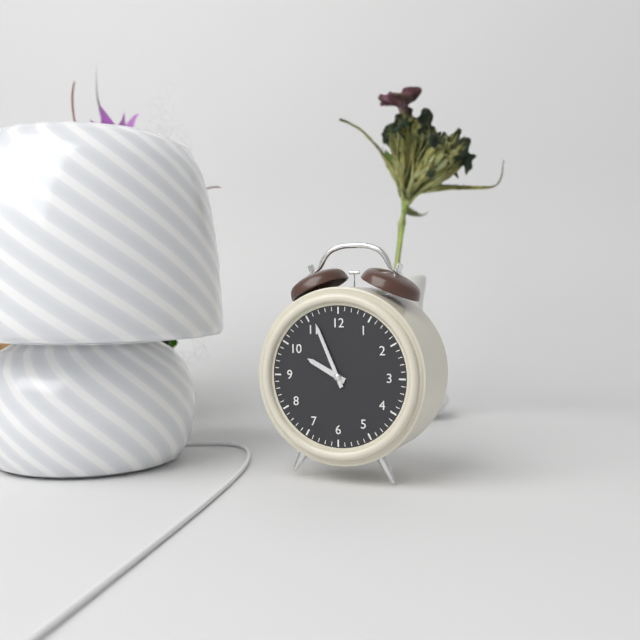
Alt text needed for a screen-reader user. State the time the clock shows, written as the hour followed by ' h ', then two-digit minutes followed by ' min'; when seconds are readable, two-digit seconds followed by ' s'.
9 h 56 min
